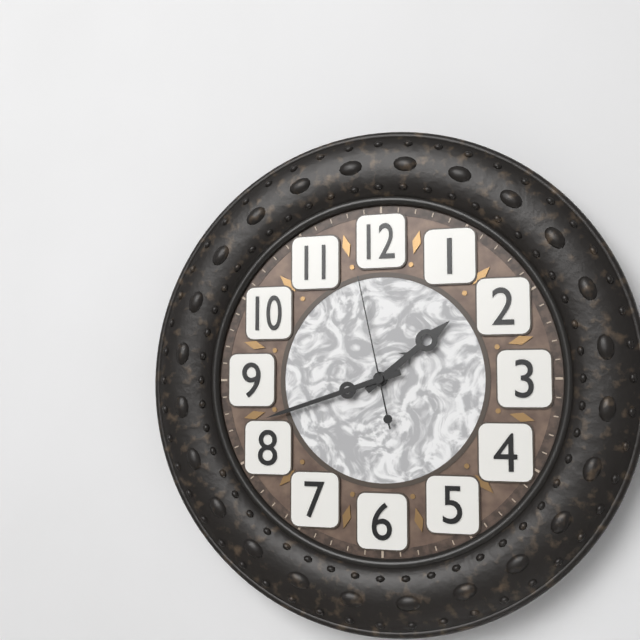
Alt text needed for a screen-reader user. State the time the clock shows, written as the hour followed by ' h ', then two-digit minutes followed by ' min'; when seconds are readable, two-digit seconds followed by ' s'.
1 h 42 min 58 s
